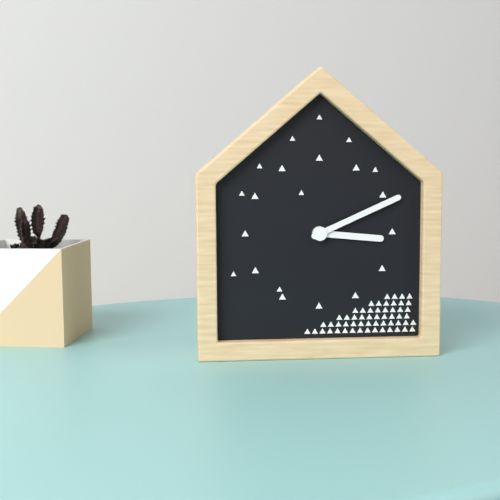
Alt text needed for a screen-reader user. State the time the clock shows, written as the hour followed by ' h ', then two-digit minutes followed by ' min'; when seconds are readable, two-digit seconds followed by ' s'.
3 h 11 min
